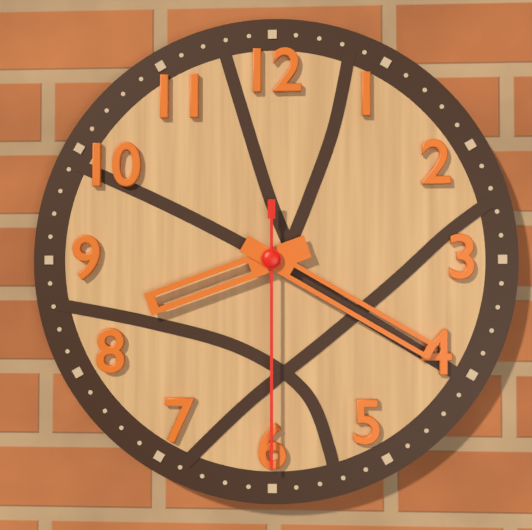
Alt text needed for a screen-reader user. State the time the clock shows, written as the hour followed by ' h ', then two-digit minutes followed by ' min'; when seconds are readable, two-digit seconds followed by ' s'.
8 h 20 min 30 s
